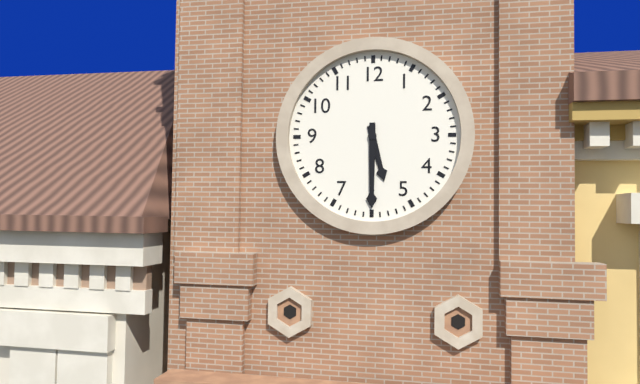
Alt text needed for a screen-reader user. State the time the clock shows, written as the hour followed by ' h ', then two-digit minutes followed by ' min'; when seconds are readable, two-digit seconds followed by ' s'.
5 h 30 min
